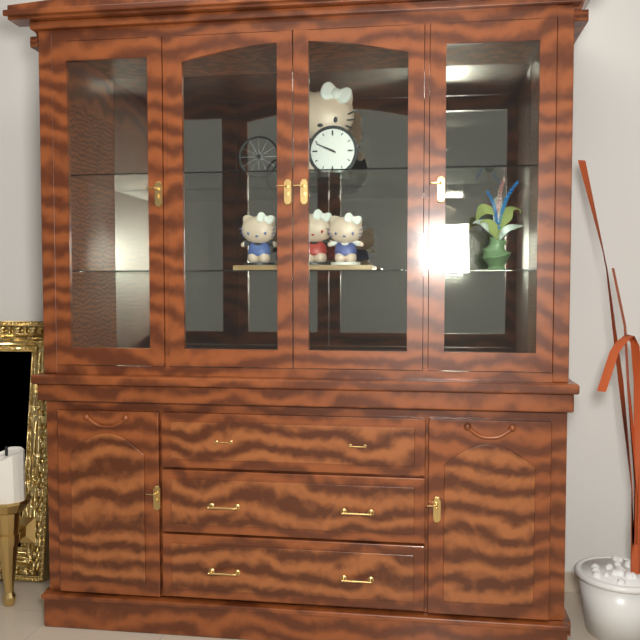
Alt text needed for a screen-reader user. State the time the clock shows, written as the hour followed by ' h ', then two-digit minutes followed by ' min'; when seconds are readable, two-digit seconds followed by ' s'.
9 h 49 min
